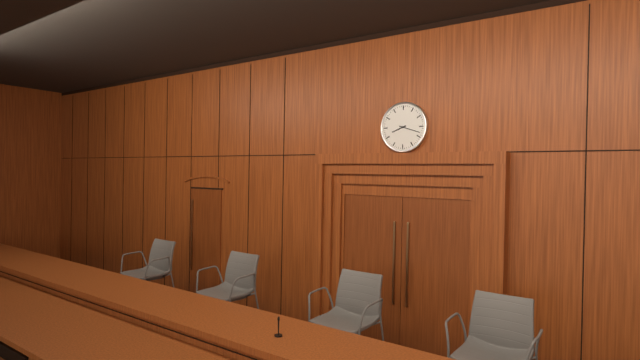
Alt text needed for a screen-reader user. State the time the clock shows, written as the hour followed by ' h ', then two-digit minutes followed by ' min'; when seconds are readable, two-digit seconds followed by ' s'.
8 h 18 min
